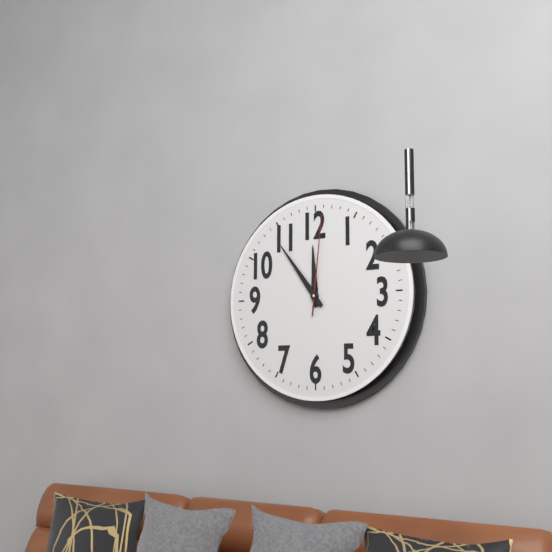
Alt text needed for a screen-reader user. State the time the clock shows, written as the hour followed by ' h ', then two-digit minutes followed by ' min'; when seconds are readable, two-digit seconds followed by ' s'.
11 h 54 min 01 s
